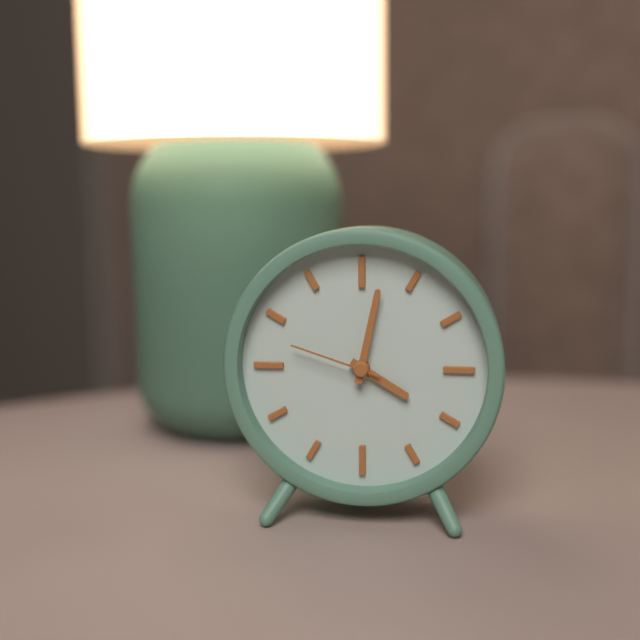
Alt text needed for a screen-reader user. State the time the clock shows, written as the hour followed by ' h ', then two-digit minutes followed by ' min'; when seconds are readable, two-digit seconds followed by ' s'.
4 h 02 min 48 s
